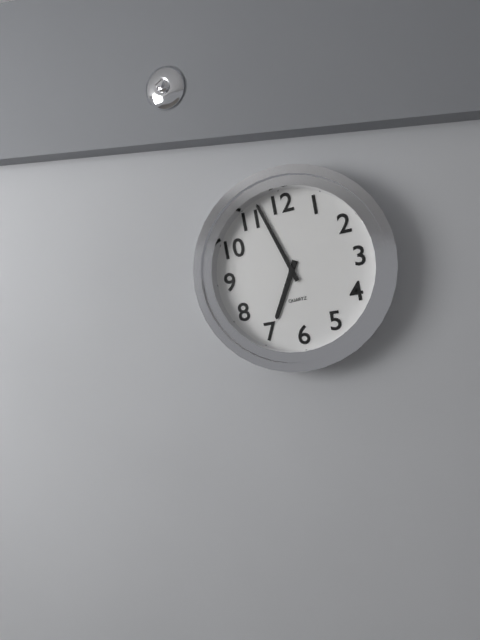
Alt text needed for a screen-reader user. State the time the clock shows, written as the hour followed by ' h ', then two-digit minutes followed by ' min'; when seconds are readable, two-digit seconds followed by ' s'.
6 h 57 min
